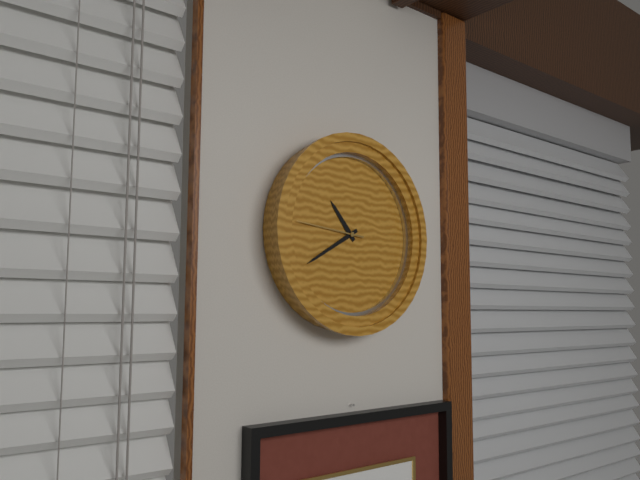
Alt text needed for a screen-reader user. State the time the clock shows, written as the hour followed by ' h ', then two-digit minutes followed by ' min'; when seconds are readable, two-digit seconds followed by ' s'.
10 h 40 min 46 s
